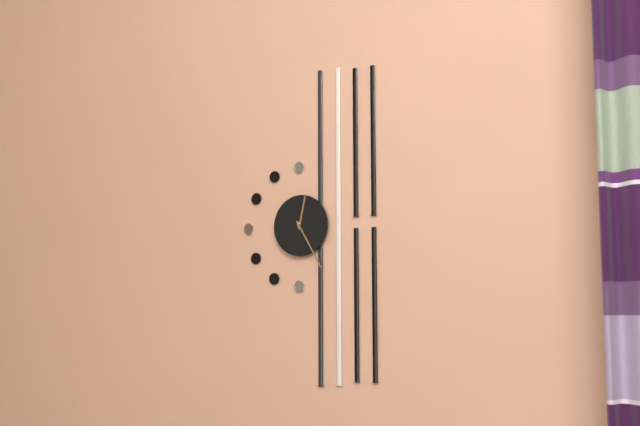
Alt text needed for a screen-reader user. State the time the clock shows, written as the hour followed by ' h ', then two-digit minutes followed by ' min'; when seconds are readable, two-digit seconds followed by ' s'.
12 h 25 min
